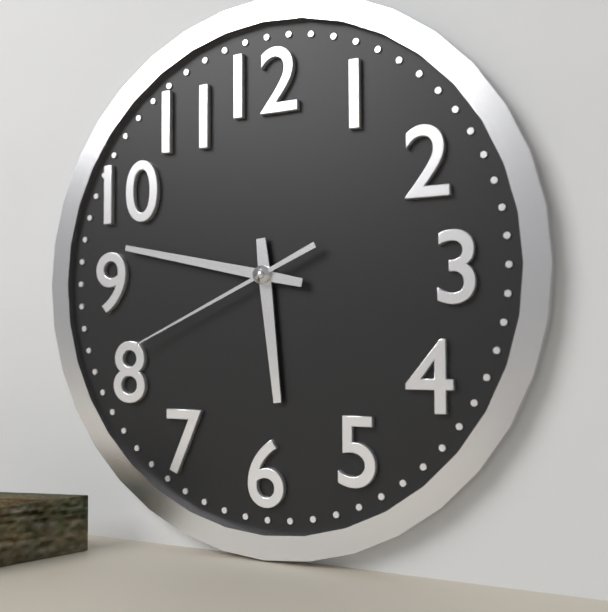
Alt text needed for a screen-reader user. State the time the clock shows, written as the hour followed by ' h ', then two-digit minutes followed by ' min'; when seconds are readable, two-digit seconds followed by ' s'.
5 h 47 min 41 s
